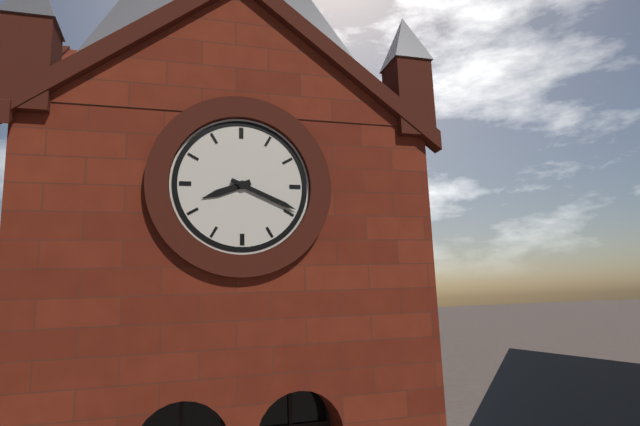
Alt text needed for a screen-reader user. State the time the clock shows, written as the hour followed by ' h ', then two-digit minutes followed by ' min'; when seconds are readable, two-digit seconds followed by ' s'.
8 h 19 min
